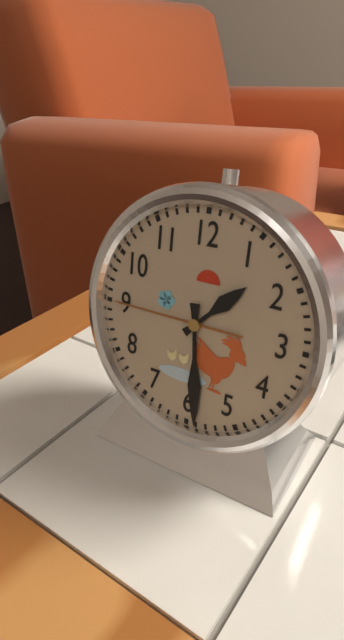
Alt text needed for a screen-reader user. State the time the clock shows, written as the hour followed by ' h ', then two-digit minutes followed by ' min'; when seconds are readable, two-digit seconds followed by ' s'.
1 h 29 min
